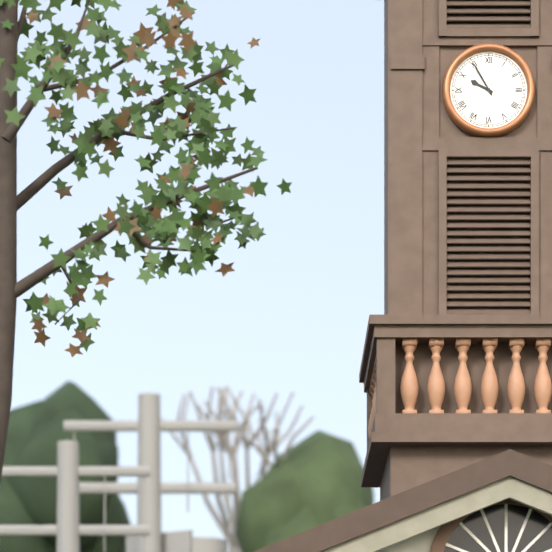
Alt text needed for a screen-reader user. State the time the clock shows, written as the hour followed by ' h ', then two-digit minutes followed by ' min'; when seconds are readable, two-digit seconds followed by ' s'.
9 h 55 min
